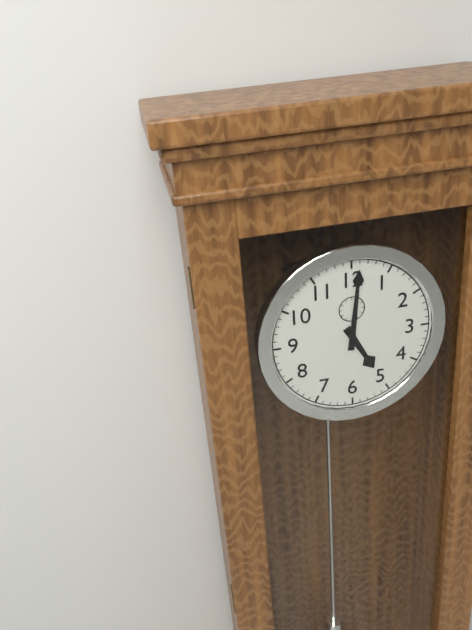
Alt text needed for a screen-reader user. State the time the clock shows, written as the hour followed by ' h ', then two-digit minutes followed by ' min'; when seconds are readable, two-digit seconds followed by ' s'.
5 h 01 min
